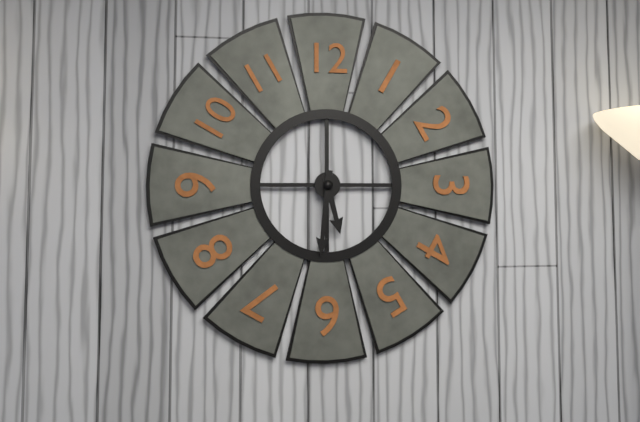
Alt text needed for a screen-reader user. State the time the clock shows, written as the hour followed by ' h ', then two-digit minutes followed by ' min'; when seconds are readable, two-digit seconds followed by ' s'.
5 h 31 min
